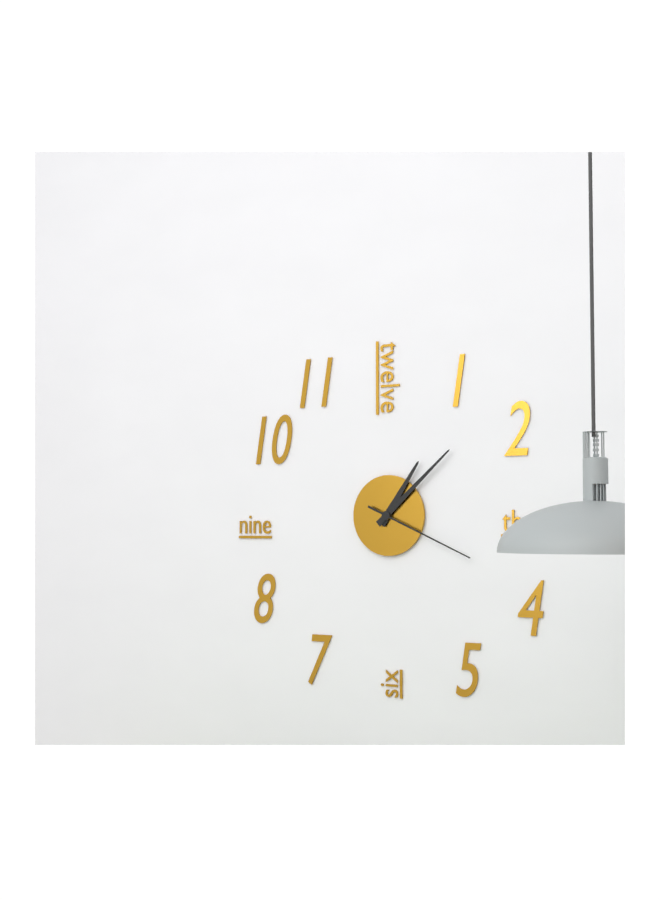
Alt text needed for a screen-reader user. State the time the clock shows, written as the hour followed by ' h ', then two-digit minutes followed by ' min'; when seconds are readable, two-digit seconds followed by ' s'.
1 h 08 min 19 s
